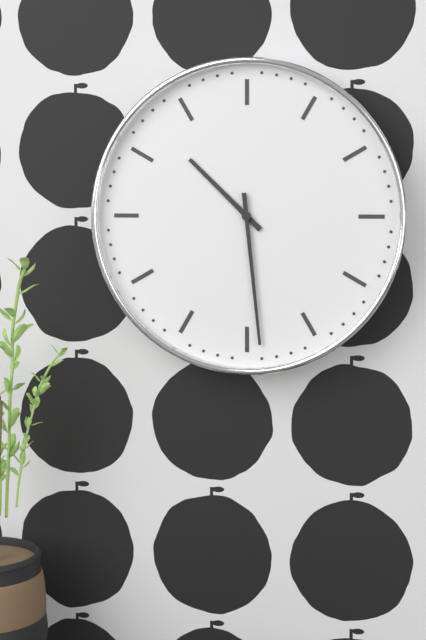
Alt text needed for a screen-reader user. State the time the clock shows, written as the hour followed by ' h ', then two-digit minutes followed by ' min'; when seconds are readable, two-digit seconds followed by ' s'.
10 h 29 min
